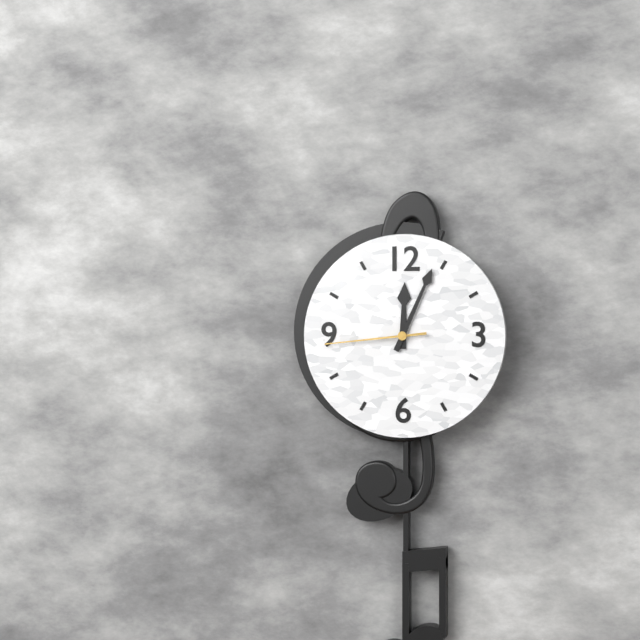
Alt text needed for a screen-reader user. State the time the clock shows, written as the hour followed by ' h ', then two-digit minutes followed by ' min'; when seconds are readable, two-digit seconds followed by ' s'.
12 h 04 min 44 s
